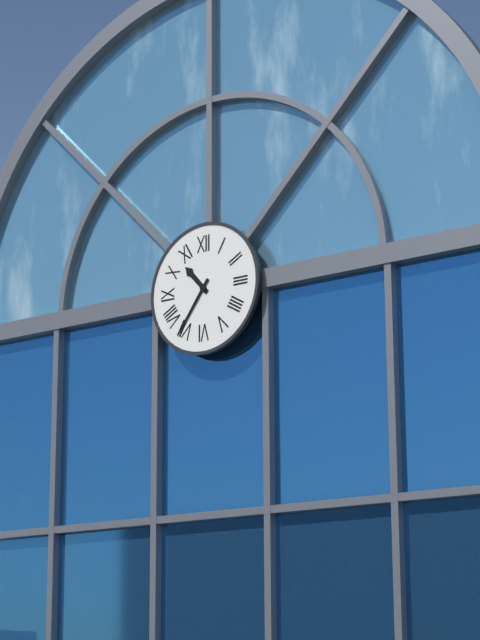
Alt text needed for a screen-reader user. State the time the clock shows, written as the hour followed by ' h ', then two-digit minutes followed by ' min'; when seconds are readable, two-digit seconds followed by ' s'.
10 h 36 min
